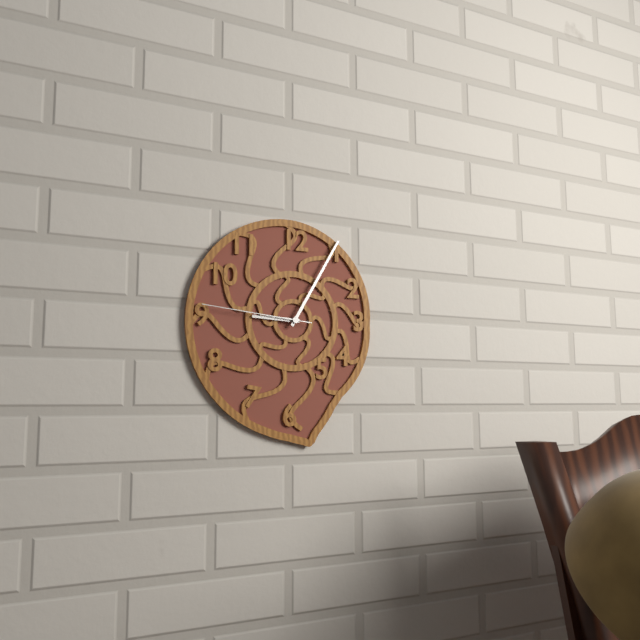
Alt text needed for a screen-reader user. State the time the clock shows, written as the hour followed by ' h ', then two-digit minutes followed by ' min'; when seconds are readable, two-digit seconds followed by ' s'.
9 h 05 min 46 s
